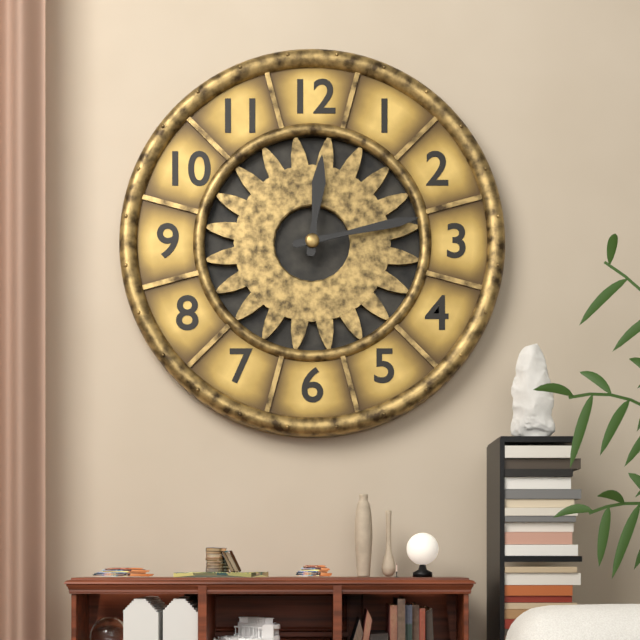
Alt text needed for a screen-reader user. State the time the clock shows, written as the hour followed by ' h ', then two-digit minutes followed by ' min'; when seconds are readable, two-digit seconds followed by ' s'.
12 h 13 min
